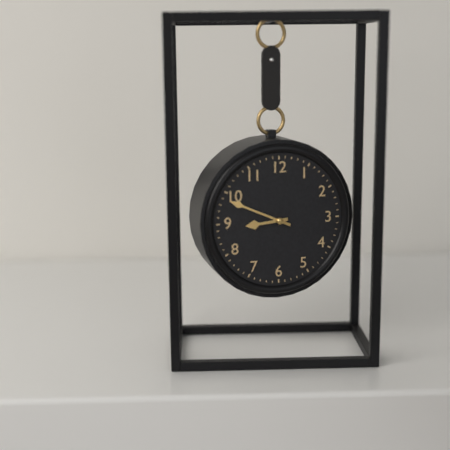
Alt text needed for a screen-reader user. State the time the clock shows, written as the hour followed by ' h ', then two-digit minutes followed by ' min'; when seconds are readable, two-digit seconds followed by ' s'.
8 h 49 min
